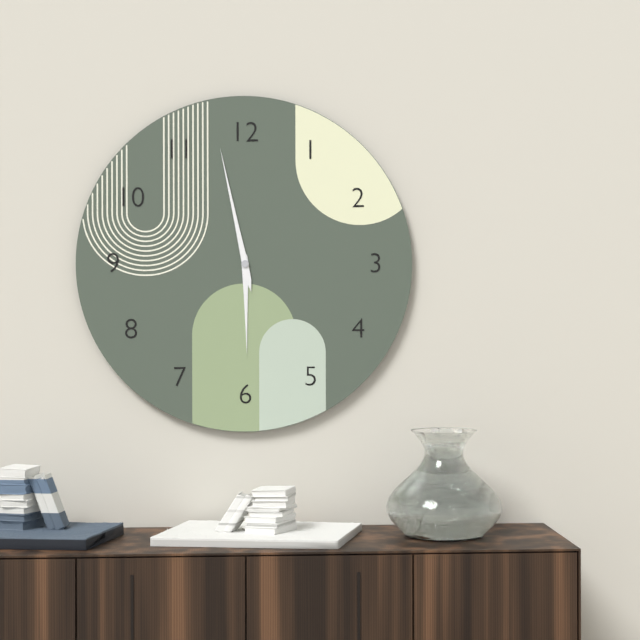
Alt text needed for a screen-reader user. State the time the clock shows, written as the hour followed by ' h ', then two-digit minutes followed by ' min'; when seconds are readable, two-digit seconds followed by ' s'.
5 h 58 min
